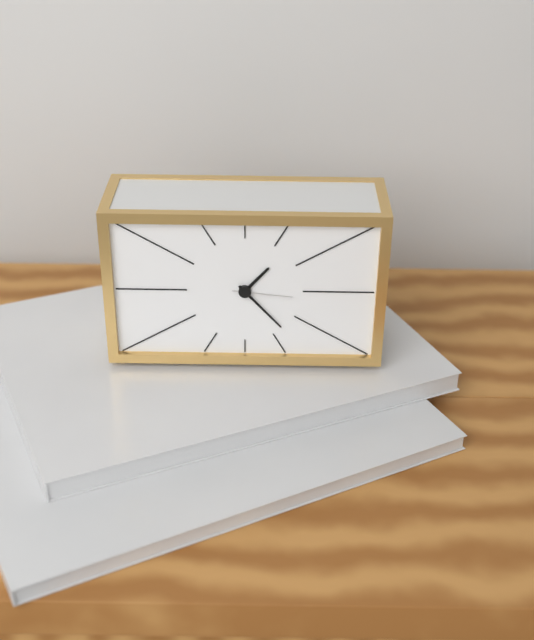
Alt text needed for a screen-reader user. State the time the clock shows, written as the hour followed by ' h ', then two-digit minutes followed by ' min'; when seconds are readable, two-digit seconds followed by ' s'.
1 h 23 min 16 s
